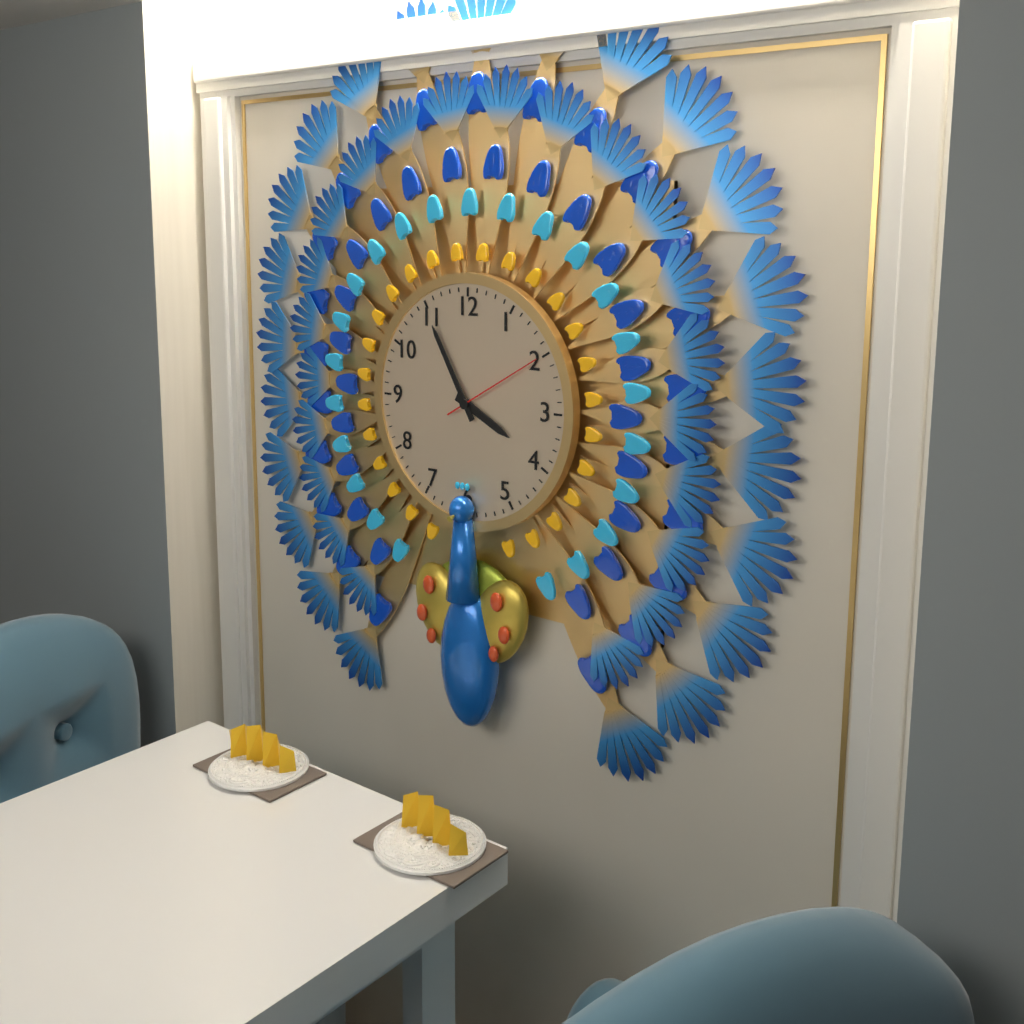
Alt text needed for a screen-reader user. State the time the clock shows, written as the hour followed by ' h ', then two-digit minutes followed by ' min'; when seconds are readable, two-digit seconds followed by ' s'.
3 h 55 min 10 s
